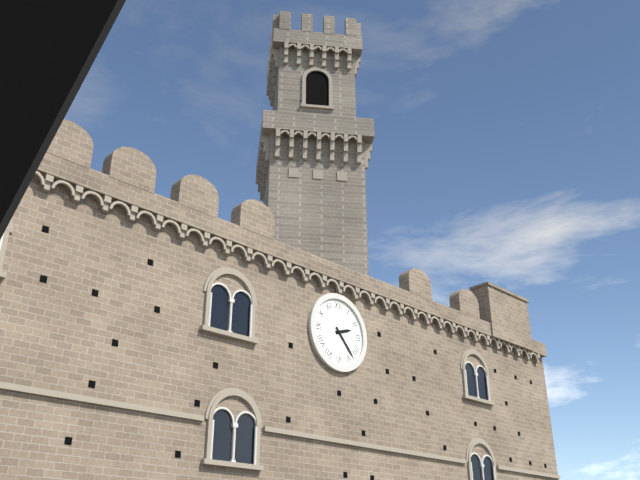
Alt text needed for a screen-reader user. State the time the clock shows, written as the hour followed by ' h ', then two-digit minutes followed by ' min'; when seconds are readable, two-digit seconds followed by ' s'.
2 h 23 min
